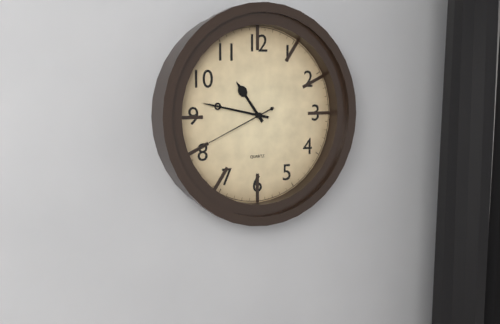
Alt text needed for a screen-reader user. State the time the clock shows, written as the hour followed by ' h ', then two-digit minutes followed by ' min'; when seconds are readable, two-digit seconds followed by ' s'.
10 h 47 min 41 s
